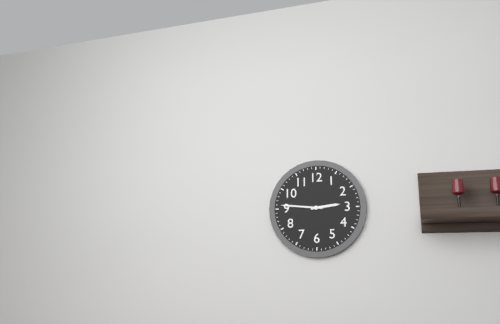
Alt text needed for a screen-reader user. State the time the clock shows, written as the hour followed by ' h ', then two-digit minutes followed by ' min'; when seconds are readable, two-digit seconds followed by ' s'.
2 h 46 min
